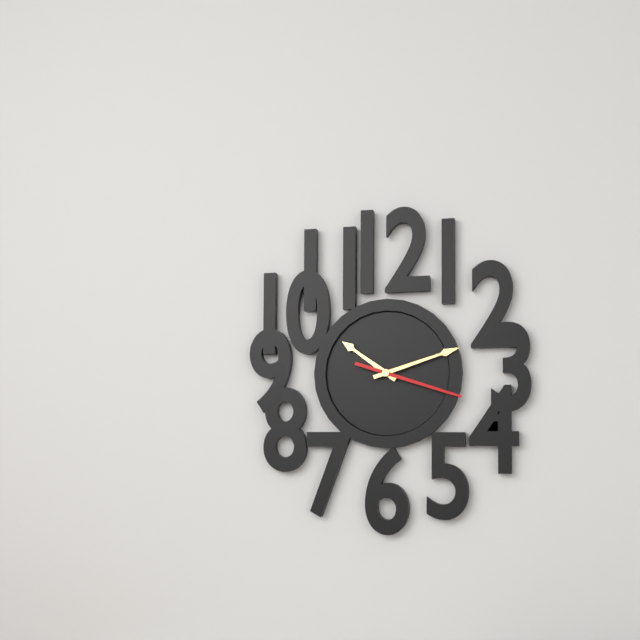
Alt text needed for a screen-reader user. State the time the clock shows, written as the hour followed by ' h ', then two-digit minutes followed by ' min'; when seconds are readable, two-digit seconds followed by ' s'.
10 h 12 min 18 s
